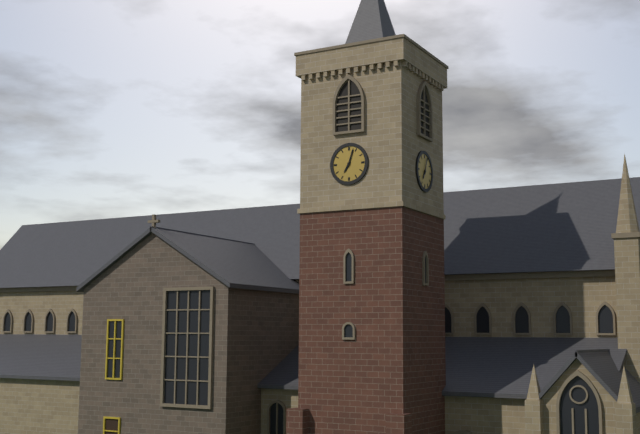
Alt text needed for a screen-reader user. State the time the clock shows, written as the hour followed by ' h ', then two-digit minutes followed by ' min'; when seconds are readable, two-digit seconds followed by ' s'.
7 h 03 min
